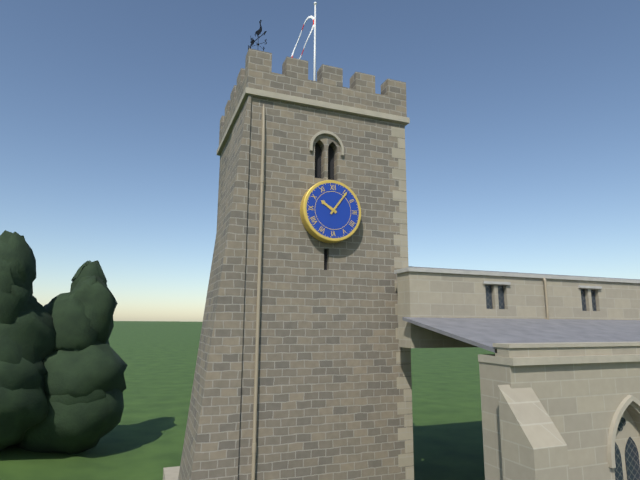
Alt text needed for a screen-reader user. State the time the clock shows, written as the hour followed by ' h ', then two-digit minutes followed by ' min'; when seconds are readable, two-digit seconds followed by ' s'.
10 h 06 min
